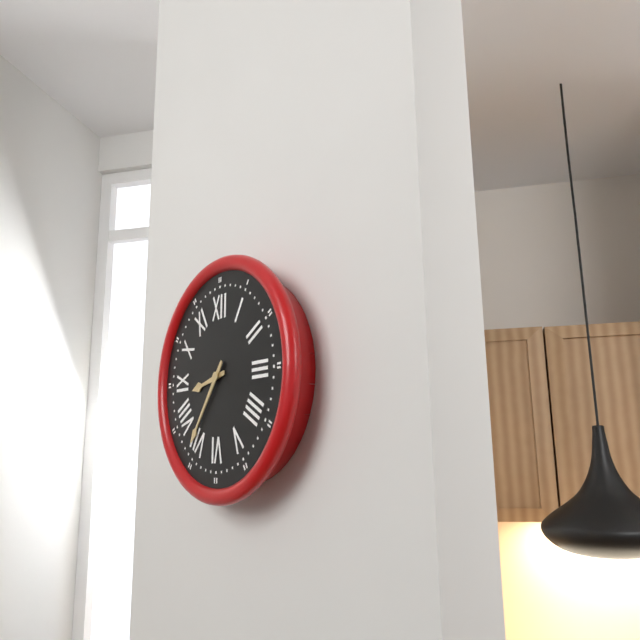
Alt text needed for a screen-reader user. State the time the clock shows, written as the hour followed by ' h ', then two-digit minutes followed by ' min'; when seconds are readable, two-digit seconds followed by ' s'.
8 h 36 min
